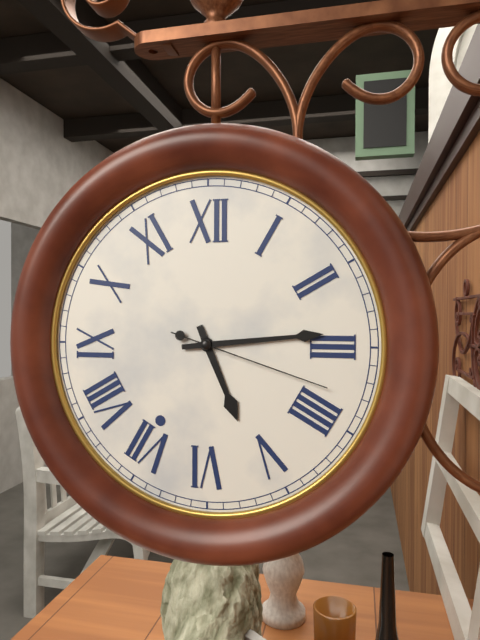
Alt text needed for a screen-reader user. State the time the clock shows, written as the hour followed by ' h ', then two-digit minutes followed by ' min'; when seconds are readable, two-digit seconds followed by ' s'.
5 h 14 min 18 s
